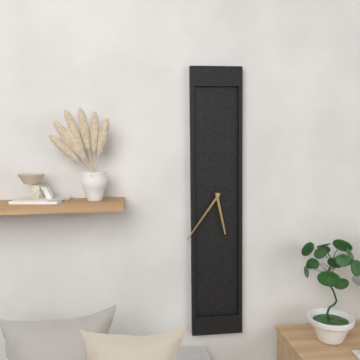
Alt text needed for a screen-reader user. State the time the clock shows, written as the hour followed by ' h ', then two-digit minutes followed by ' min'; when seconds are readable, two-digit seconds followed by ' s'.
5 h 36 min
